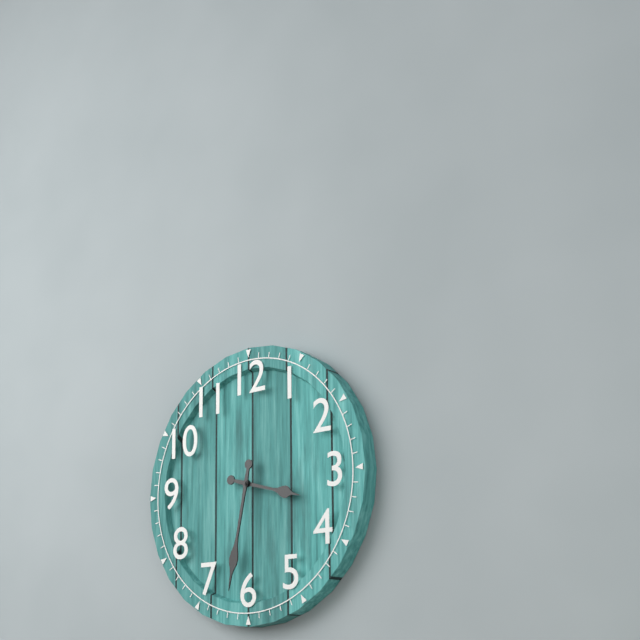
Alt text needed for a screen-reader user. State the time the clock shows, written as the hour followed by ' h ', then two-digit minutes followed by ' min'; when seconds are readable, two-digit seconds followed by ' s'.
3 h 32 min
